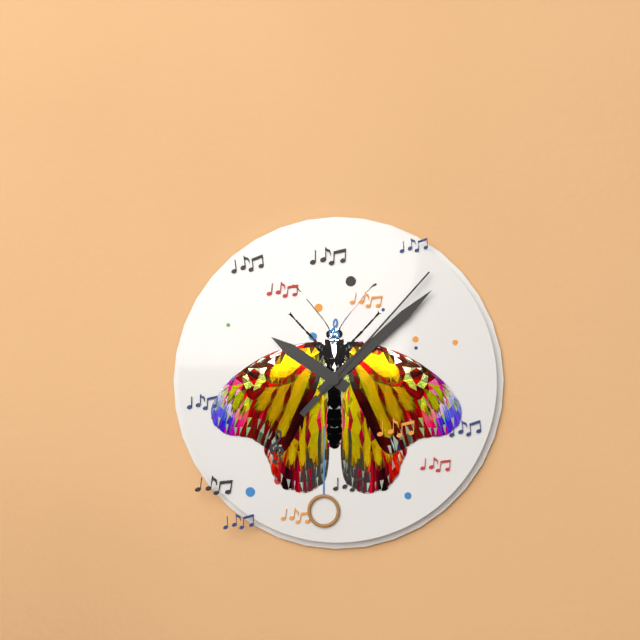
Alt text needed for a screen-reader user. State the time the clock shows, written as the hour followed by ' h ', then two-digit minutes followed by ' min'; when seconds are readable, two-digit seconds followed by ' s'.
10 h 08 min 07 s
